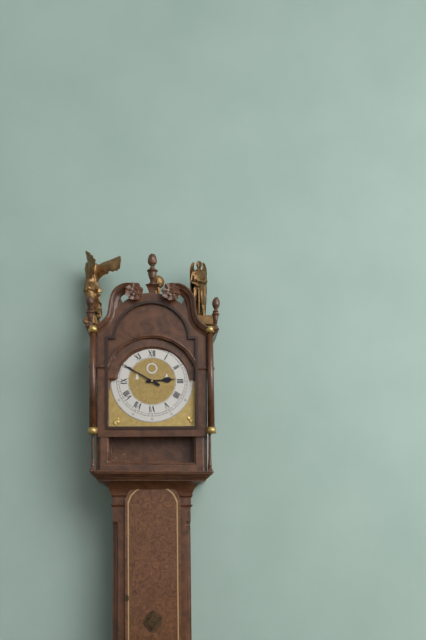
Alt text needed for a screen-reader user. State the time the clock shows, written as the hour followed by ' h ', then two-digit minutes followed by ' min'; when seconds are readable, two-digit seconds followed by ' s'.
2 h 50 min
